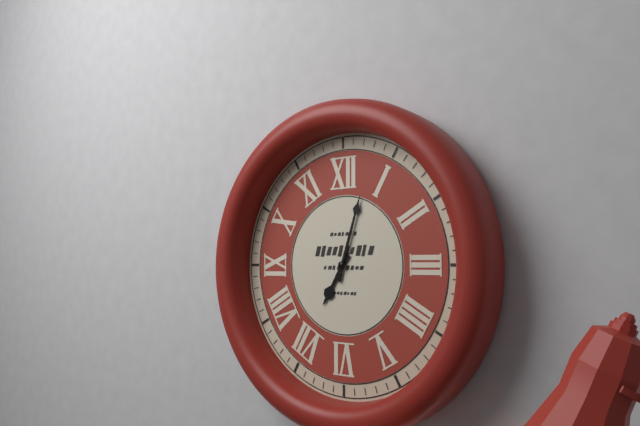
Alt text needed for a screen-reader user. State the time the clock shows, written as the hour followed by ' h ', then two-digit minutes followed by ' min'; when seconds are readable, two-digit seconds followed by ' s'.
7 h 03 min
